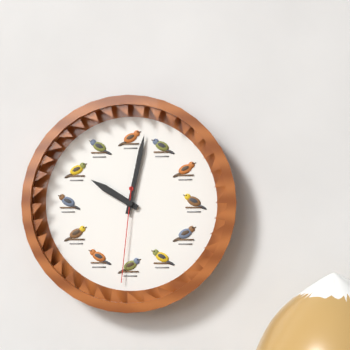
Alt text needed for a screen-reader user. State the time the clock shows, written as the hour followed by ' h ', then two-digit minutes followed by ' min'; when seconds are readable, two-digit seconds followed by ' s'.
10 h 02 min 31 s
